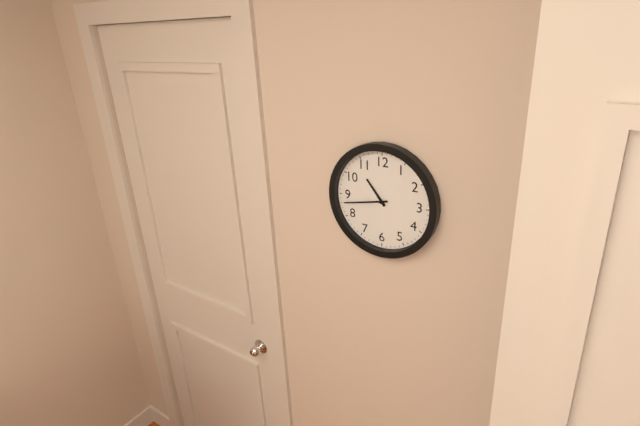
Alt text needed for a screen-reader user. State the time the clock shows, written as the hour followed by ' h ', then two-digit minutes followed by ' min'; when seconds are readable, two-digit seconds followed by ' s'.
10 h 43 min
